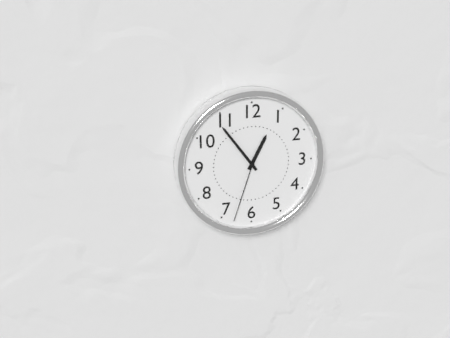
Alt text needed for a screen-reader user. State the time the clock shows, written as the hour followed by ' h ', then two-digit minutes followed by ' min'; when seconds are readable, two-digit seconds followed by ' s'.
12 h 54 min 33 s
